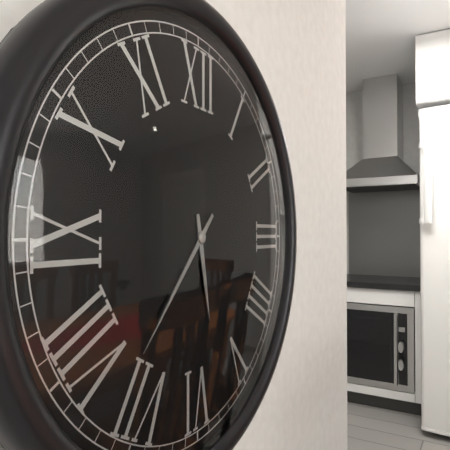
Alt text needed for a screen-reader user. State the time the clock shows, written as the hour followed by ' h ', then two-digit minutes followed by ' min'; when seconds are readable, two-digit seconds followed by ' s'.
5 h 37 min
